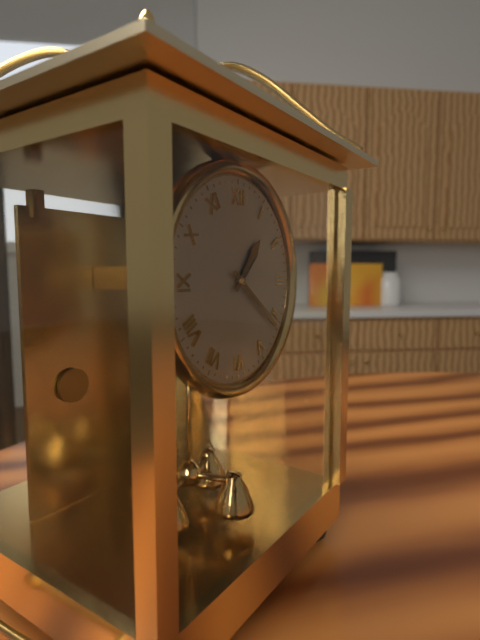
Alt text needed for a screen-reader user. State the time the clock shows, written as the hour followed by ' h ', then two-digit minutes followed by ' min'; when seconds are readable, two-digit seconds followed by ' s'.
1 h 21 min
